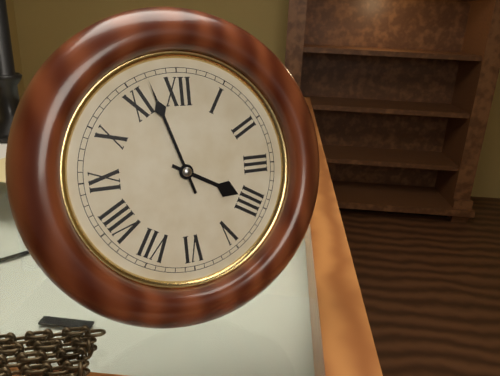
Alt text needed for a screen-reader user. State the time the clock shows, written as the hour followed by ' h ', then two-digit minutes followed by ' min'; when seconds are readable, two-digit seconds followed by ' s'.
3 h 57 min
